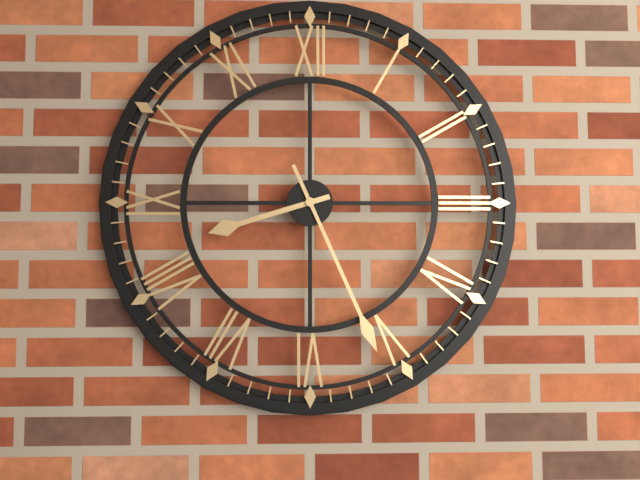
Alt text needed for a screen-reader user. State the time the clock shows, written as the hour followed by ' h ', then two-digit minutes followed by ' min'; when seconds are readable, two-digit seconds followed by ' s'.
8 h 26 min
